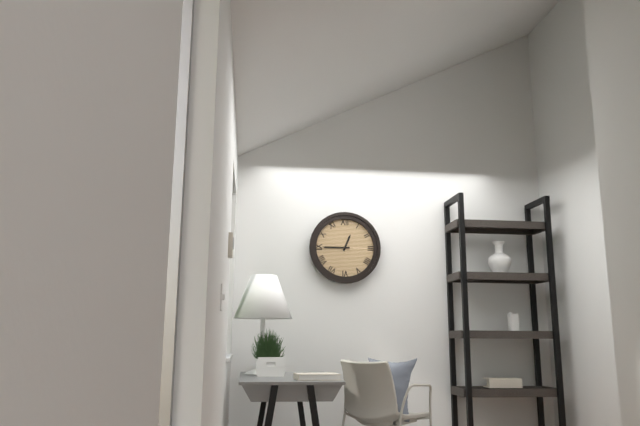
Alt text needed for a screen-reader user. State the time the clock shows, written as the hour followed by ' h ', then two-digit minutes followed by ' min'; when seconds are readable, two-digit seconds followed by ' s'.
12 h 45 min
